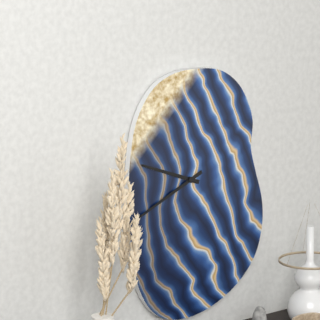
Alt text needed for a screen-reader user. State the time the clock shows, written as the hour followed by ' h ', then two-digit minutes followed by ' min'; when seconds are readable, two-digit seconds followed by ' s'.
9 h 41 min
